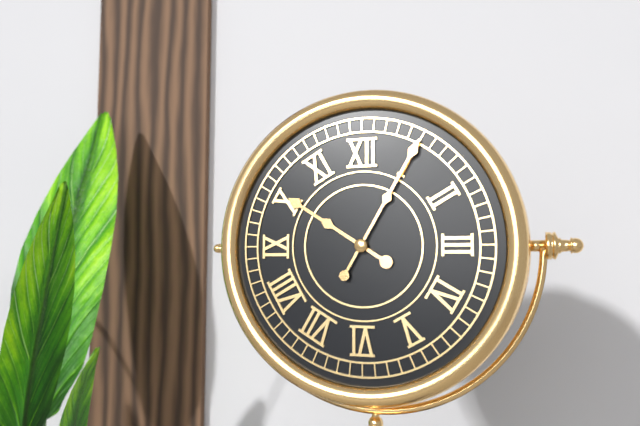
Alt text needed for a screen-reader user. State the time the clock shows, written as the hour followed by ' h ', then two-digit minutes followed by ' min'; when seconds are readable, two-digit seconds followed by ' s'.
10 h 05 min
